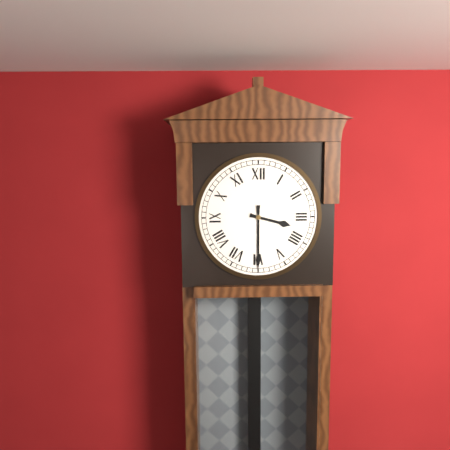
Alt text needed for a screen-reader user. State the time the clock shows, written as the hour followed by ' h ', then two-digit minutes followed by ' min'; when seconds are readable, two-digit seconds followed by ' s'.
3 h 30 min
